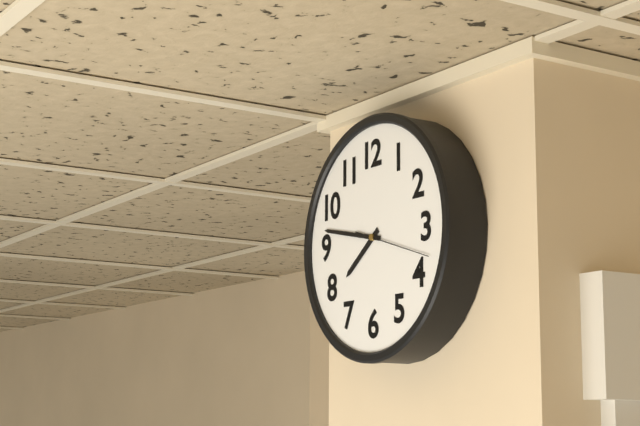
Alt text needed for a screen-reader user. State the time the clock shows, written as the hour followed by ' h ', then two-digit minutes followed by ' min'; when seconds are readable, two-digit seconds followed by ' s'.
7 h 47 min 18 s
